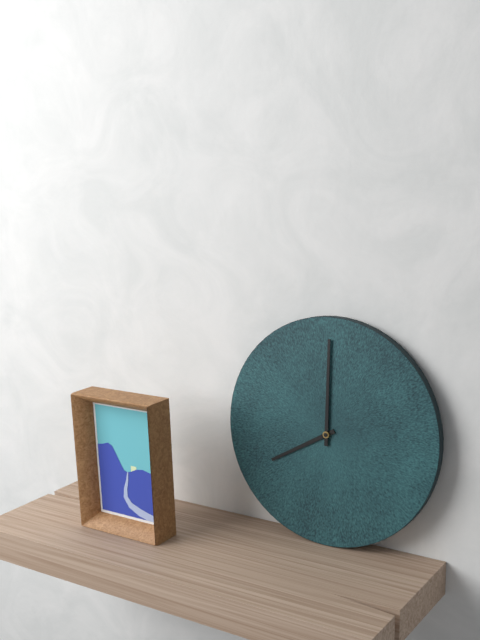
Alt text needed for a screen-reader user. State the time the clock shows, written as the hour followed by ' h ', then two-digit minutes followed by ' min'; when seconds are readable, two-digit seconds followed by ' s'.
8 h 00 min
